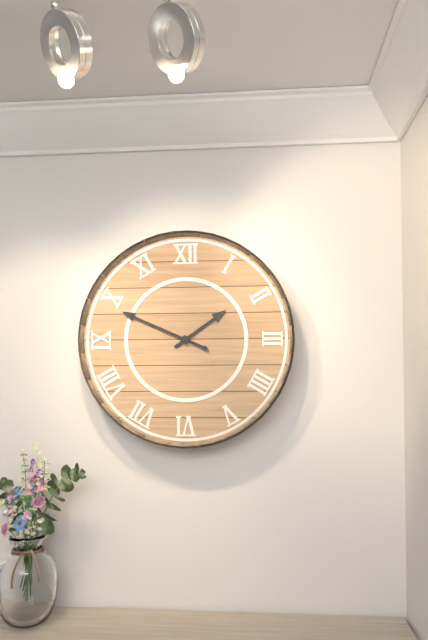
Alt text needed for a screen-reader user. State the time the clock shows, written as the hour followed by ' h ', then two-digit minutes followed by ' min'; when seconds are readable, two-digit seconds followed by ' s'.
1 h 49 min
